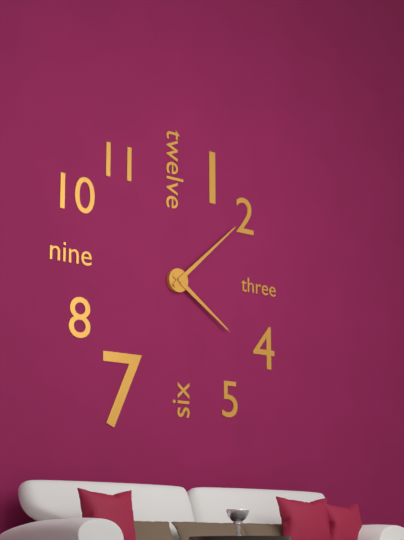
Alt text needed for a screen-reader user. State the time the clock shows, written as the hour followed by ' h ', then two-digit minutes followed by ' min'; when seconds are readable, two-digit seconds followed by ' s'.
4 h 08 min
